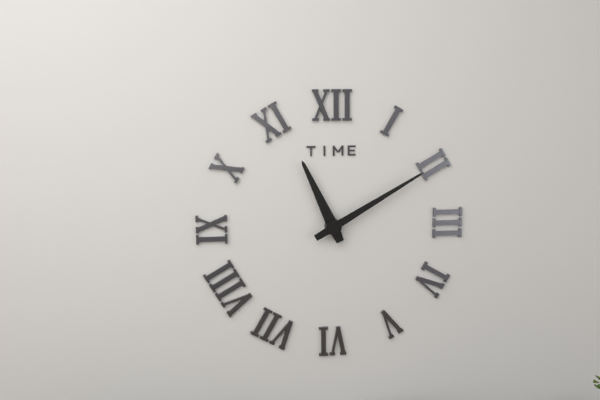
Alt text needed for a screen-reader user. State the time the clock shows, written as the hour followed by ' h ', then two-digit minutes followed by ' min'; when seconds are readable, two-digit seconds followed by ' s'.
11 h 10 min
